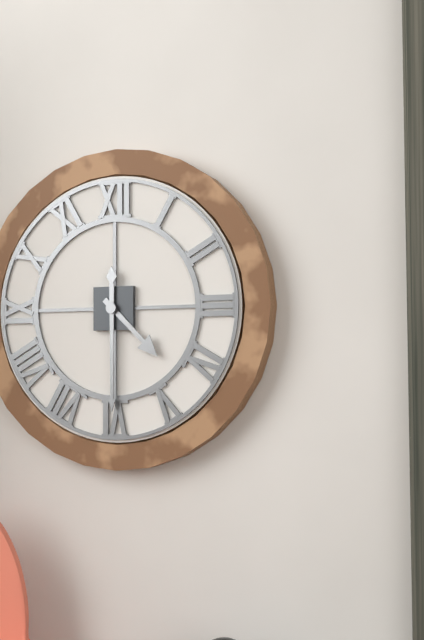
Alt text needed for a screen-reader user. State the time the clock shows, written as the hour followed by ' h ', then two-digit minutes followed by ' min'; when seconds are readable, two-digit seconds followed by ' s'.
4 h 30 min
